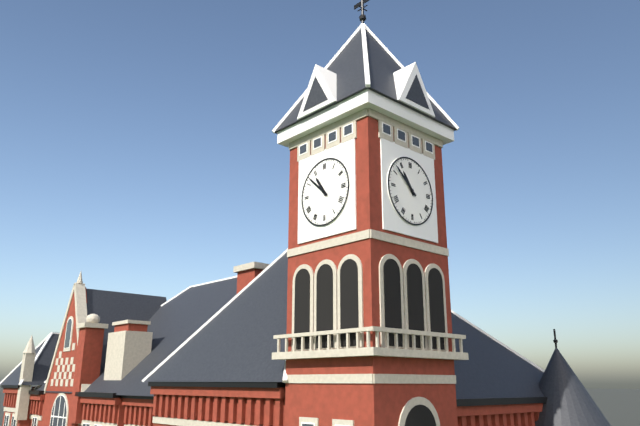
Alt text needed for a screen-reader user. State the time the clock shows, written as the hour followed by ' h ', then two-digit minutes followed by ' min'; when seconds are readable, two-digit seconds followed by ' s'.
10 h 52 min
